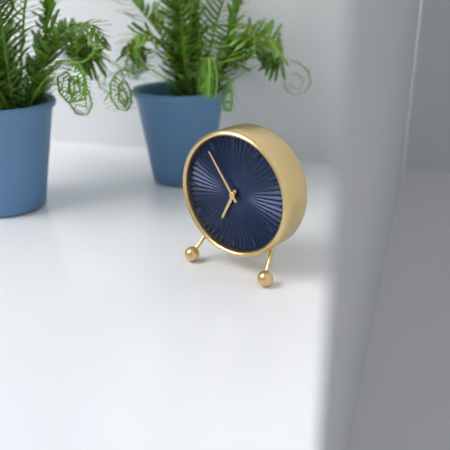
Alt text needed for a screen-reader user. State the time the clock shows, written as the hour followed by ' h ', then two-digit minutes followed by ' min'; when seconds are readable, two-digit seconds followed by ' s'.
6 h 54 min
